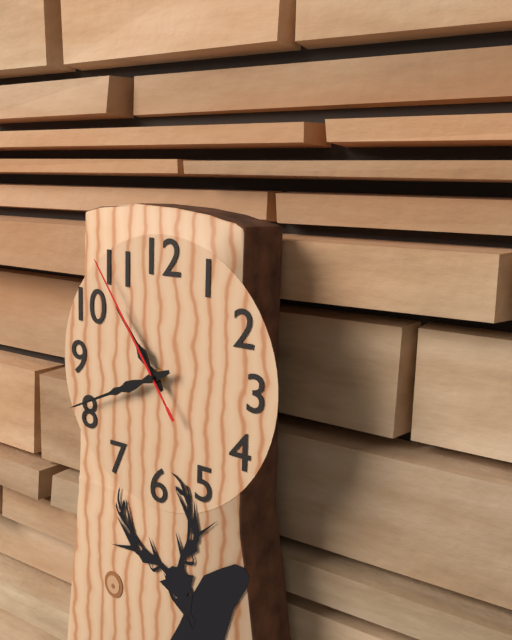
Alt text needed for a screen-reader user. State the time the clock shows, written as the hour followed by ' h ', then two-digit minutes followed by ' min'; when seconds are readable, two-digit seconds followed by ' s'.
10 h 41 min 54 s
